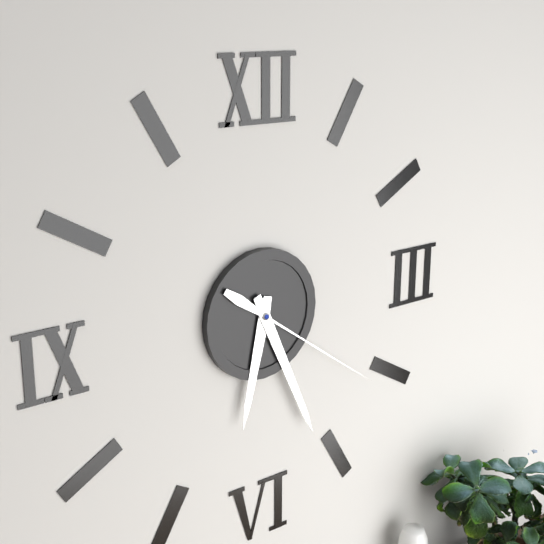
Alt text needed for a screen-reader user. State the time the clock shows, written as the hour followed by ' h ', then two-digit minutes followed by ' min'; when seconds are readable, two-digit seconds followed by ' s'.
6 h 26 min 21 s
